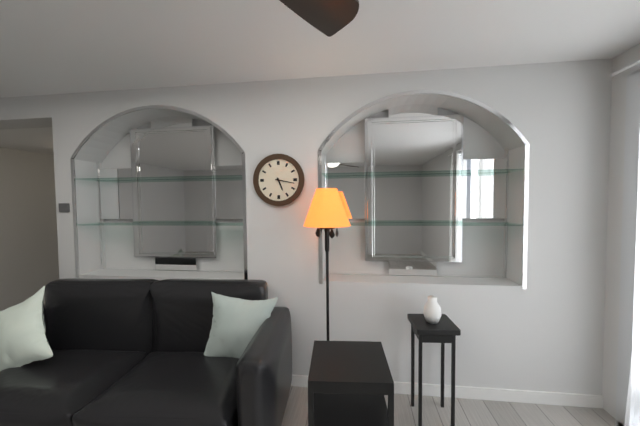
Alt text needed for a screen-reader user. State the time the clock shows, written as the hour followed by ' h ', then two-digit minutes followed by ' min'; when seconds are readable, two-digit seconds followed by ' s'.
5 h 17 min
